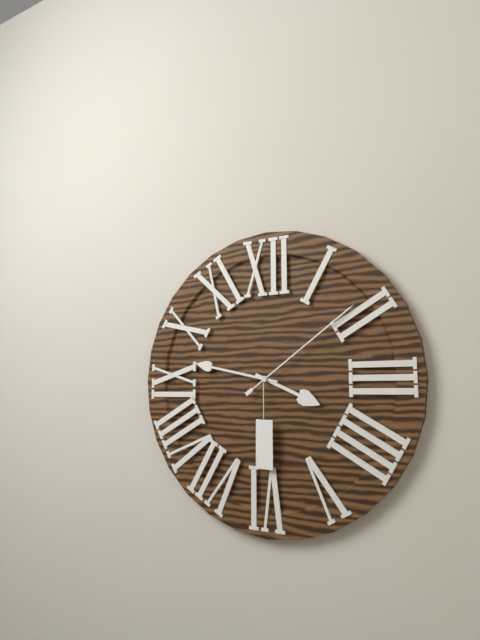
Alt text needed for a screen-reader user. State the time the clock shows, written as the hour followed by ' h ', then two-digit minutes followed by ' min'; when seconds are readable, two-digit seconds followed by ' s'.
3 h 47 min 09 s
